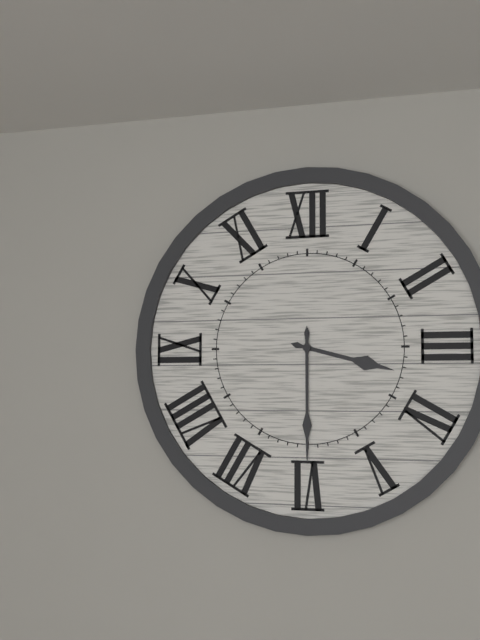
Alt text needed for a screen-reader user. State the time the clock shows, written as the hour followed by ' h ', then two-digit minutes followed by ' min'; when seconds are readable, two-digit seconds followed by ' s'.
3 h 30 min
